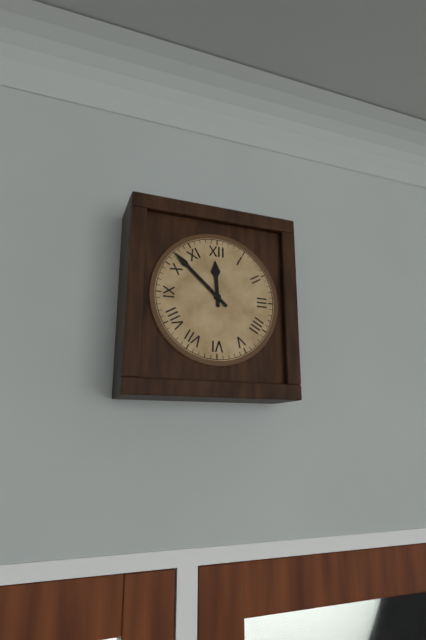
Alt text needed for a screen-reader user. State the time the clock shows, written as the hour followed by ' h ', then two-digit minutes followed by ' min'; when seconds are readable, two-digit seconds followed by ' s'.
11 h 52 min
